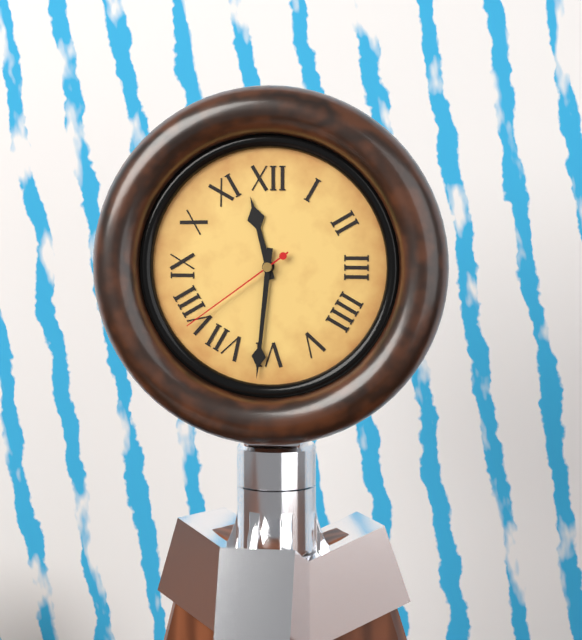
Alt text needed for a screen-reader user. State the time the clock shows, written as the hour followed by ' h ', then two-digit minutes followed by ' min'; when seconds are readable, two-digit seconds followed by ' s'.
11 h 31 min 39 s
